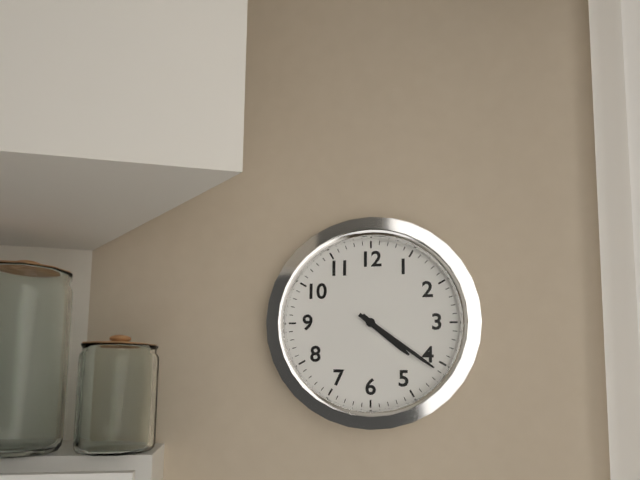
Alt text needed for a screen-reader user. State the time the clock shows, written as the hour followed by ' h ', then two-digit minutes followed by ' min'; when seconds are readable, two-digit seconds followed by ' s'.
4 h 21 min
